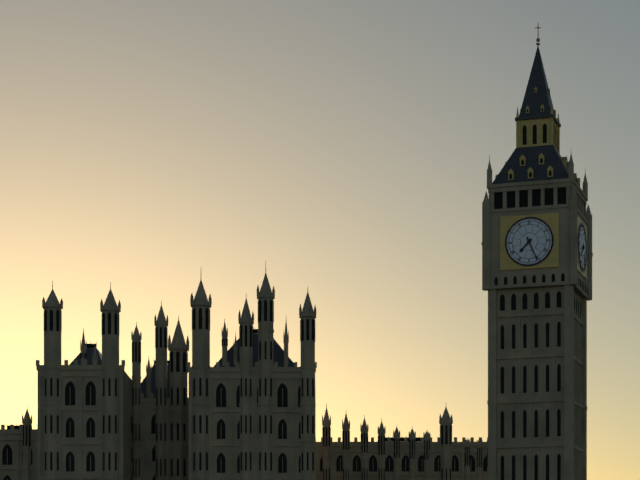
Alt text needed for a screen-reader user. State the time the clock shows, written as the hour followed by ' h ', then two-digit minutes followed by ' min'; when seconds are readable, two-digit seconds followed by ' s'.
7 h 26 min
